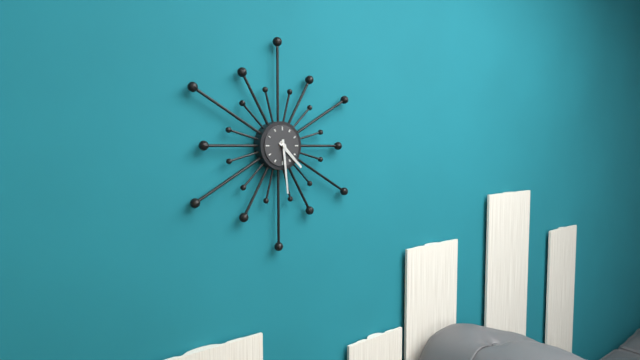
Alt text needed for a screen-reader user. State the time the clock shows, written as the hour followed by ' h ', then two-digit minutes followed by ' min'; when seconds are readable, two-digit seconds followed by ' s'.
4 h 29 min
